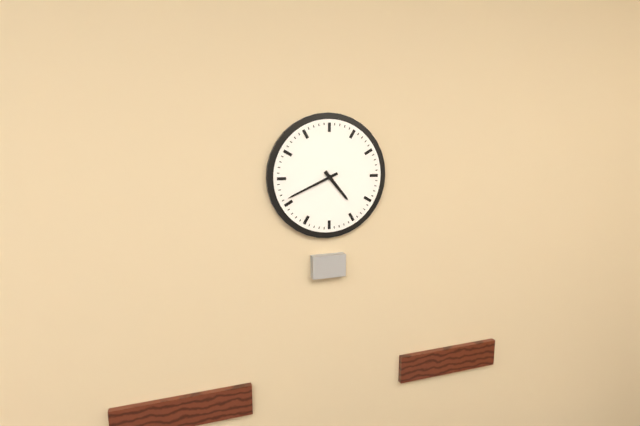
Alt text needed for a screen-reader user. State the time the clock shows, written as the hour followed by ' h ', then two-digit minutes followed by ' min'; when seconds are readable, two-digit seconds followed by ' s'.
4 h 41 min
